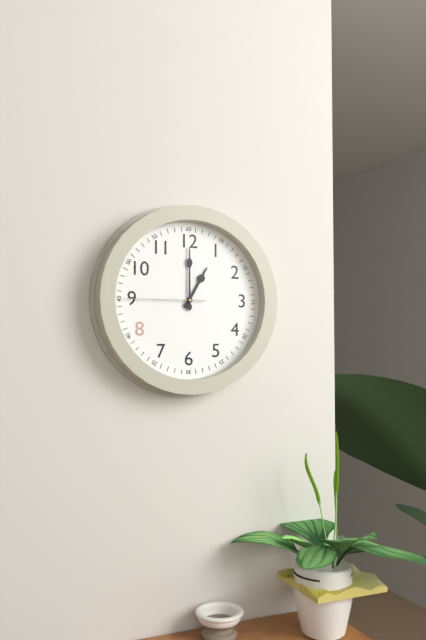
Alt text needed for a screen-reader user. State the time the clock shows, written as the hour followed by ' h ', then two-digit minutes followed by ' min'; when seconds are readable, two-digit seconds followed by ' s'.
1 h 00 min 45 s
